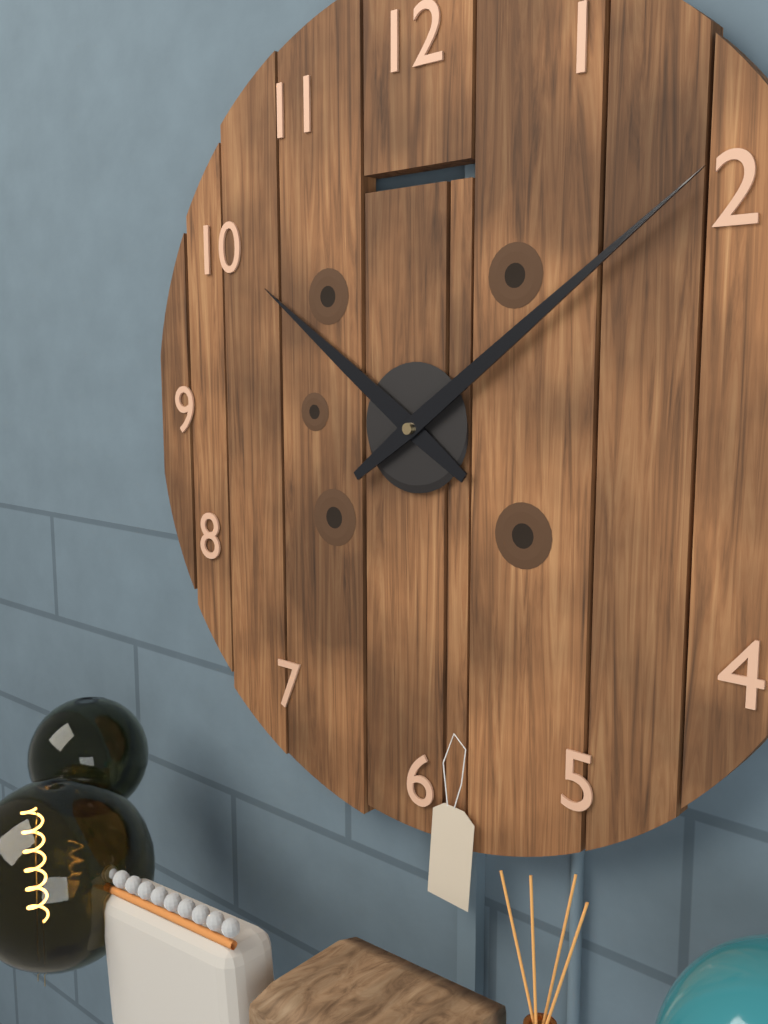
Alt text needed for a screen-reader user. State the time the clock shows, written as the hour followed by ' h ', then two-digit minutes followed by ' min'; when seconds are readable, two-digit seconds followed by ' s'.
10 h 09 min
